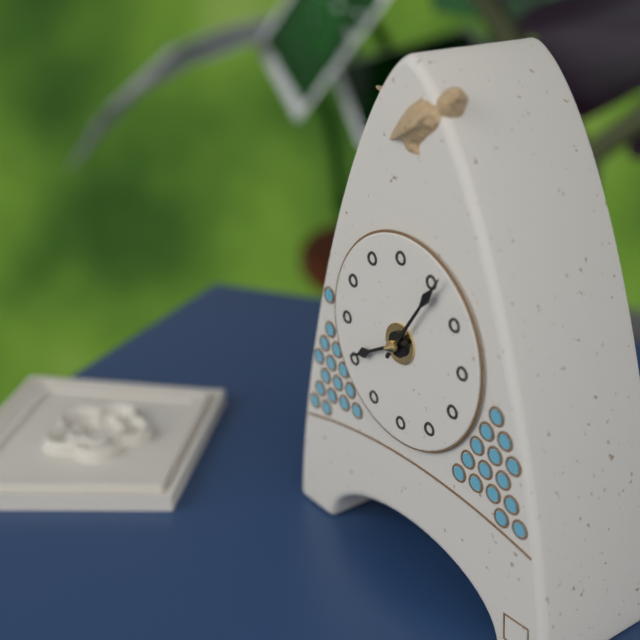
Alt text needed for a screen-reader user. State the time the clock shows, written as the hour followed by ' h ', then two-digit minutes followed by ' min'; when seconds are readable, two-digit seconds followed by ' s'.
8 h 06 min
